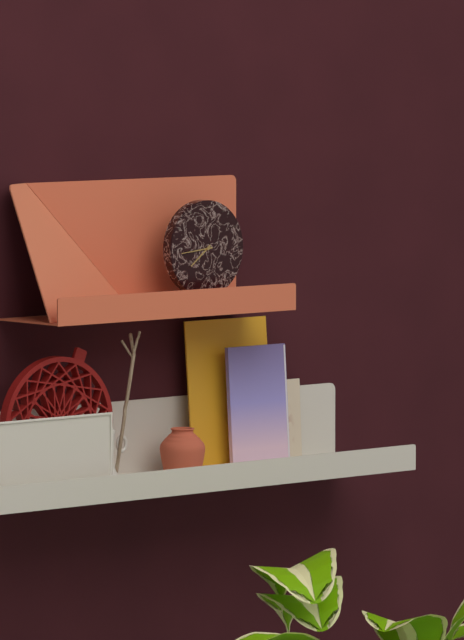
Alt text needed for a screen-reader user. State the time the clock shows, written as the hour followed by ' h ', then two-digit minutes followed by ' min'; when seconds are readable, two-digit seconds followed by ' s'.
7 h 44 min
